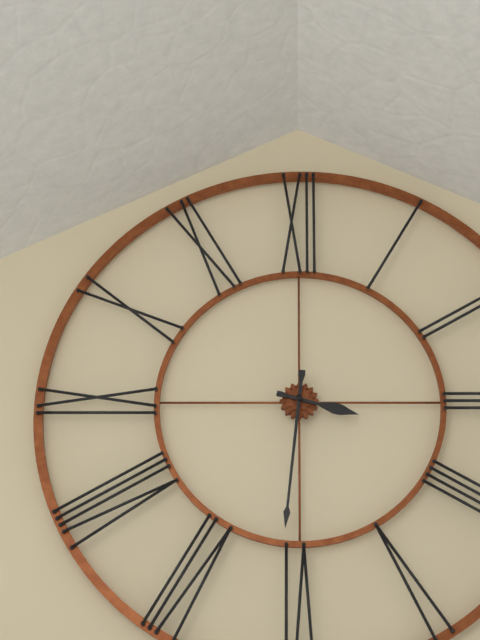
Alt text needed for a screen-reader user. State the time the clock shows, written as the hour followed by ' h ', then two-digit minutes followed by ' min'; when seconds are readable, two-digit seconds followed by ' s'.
3 h 31 min
